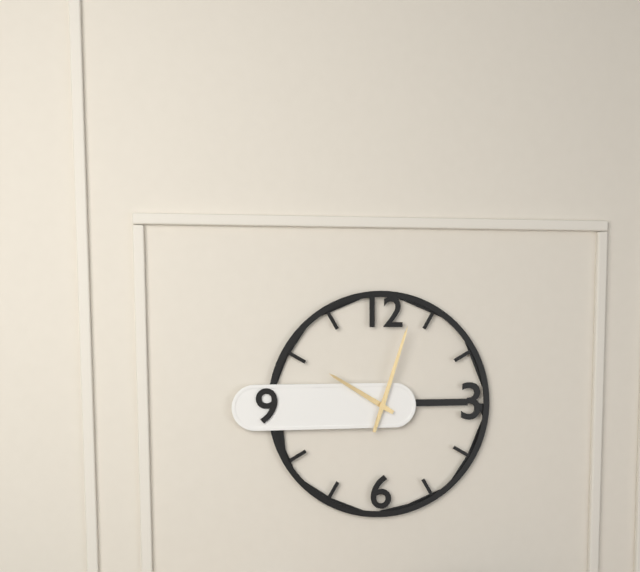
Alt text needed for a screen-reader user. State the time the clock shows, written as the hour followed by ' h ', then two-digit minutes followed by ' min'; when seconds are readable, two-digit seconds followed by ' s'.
10 h 03 min
